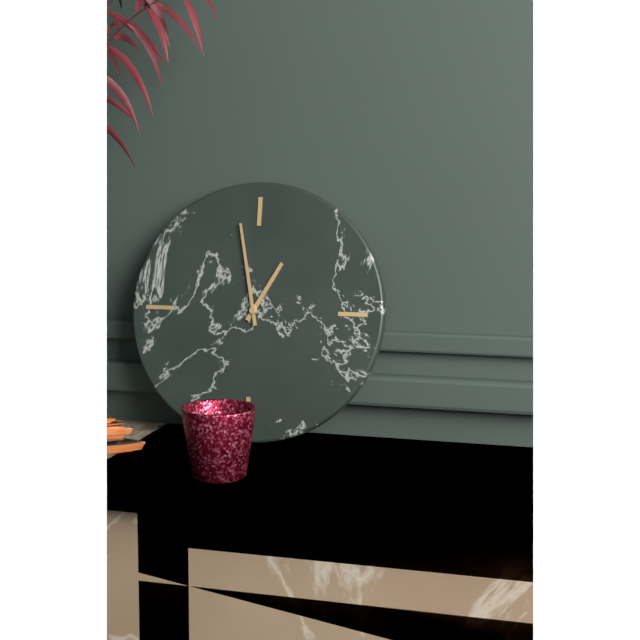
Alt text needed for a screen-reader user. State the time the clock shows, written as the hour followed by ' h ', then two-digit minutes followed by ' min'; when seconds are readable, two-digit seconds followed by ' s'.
12 h 58 min
